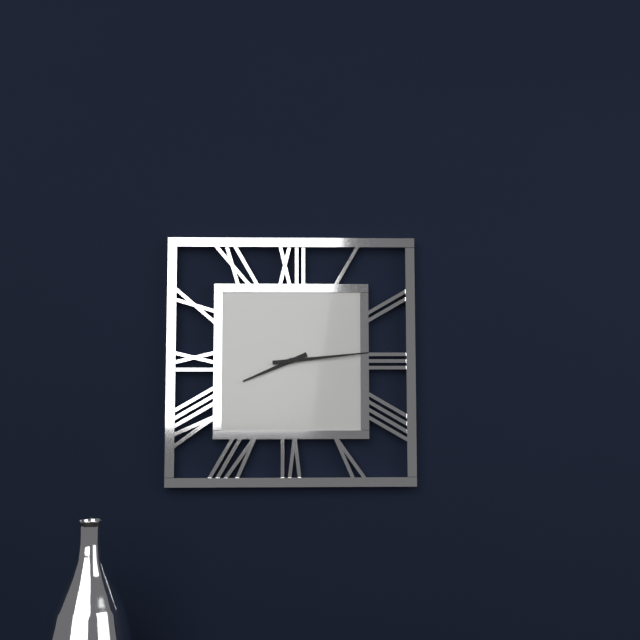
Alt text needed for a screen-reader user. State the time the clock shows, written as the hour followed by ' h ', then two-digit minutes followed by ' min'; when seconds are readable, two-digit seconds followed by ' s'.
8 h 14 min
